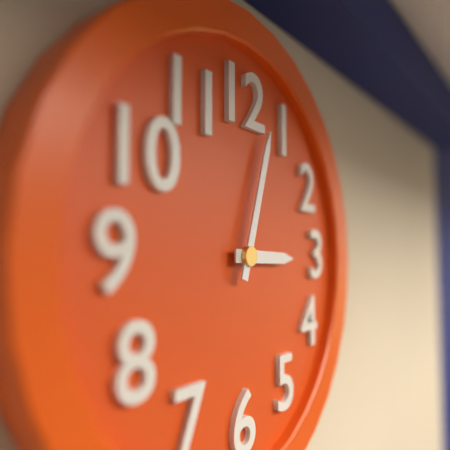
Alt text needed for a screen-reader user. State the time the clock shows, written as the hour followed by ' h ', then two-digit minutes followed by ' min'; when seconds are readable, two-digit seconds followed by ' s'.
3 h 03 min
